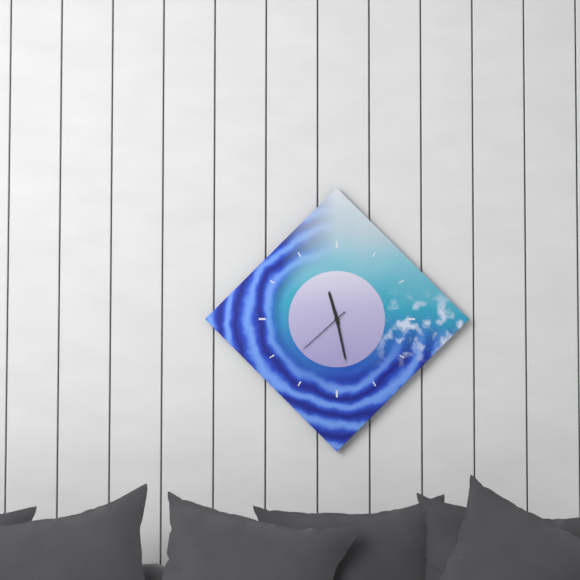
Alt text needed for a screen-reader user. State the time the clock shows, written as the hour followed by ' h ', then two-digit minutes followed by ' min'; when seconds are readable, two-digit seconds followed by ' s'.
11 h 28 min 38 s
